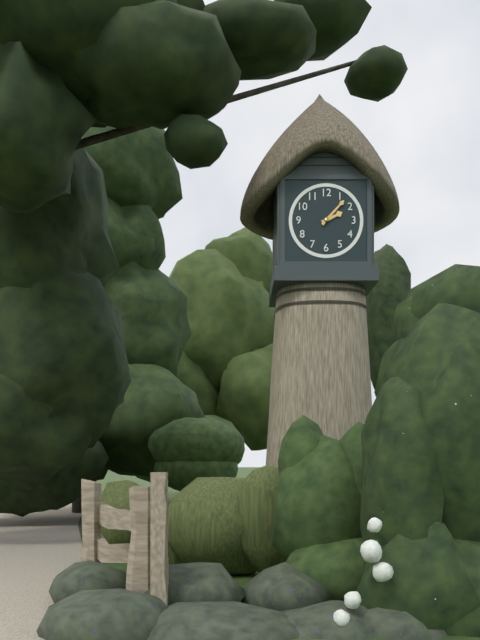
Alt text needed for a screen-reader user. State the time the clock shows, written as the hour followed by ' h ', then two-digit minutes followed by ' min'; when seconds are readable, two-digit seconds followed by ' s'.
2 h 07 min
